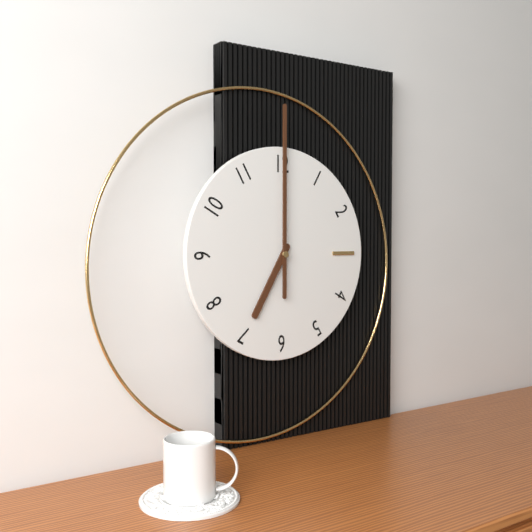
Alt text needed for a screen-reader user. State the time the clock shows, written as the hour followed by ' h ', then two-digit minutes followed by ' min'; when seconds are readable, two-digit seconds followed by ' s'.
7 h 00 min
